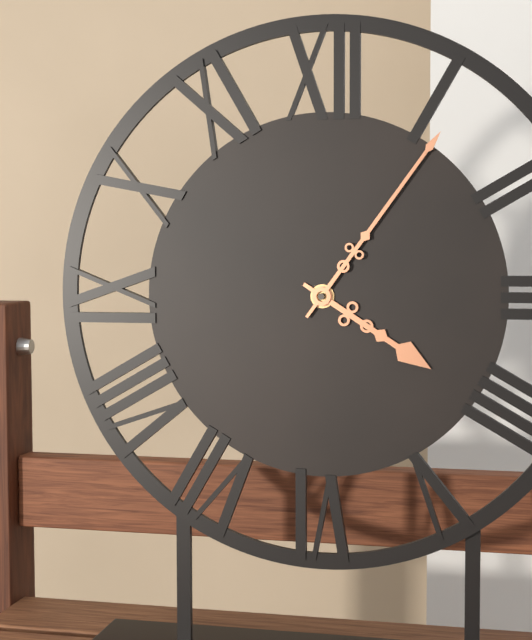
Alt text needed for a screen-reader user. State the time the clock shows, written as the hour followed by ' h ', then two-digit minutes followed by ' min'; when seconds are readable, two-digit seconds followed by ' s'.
4 h 06 min
